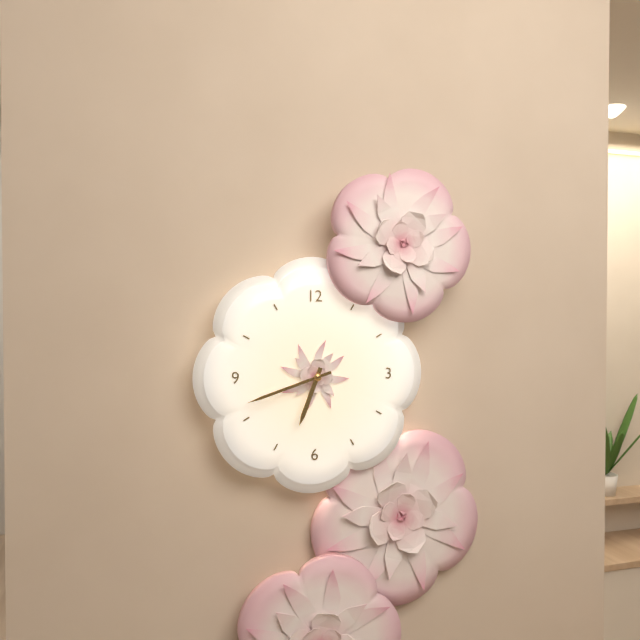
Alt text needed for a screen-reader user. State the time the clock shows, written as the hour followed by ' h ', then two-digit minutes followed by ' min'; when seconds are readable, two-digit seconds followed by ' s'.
6 h 42 min
